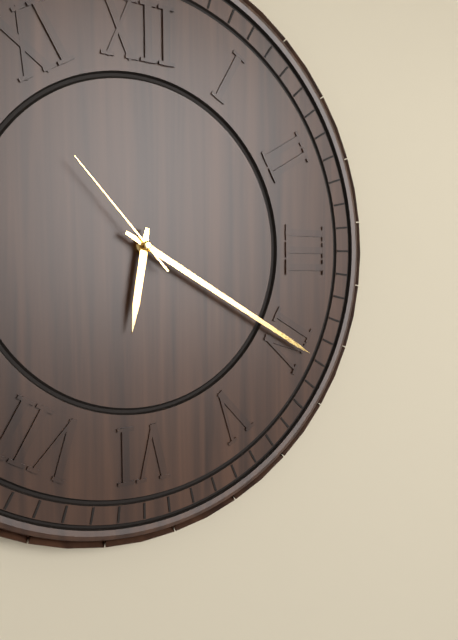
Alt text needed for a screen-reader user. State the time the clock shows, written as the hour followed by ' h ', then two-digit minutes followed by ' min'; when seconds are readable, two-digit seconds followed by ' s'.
6 h 20 min 53 s
